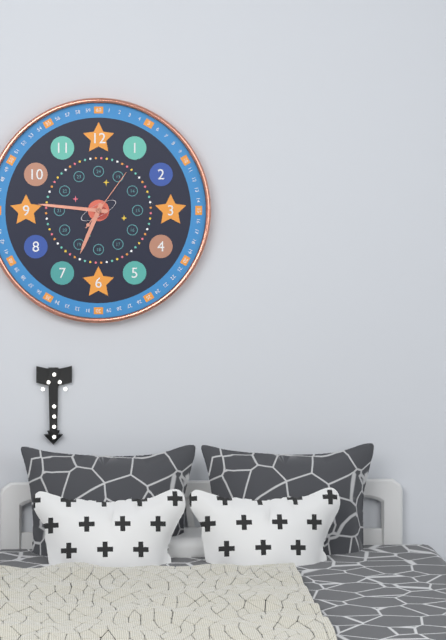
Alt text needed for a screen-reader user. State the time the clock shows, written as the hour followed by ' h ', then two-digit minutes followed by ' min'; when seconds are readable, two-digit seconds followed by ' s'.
6 h 46 min 06 s
